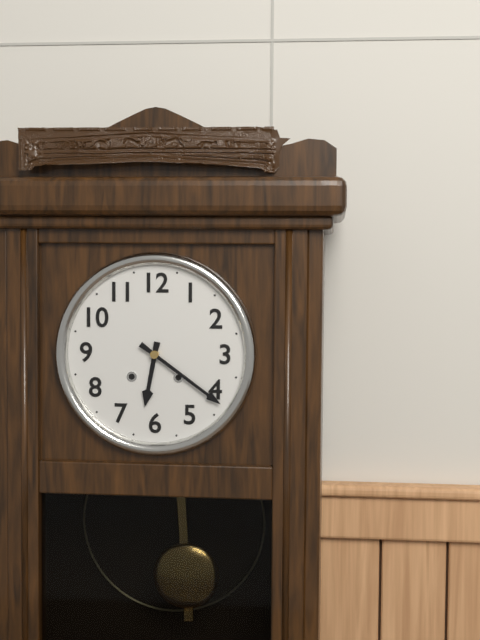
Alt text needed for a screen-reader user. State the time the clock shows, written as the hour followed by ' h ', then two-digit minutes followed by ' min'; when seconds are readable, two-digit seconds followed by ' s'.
6 h 21 min
